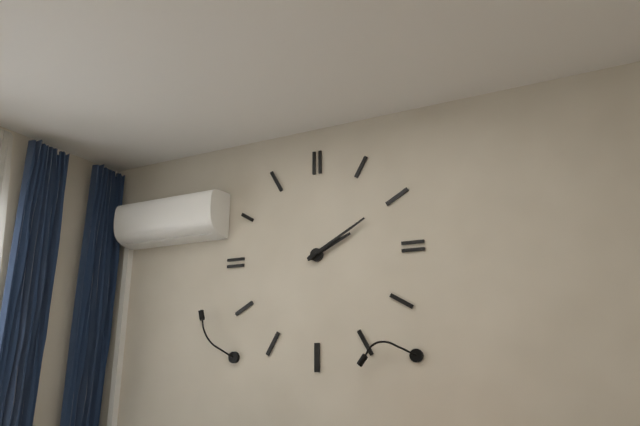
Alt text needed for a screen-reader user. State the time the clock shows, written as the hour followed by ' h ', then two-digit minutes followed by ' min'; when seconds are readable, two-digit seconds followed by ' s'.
2 h 10 min
